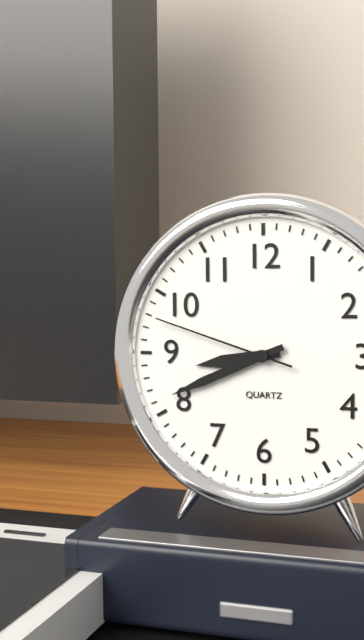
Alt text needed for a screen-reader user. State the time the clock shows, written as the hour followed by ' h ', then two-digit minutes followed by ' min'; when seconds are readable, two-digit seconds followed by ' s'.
8 h 41 min 48 s
